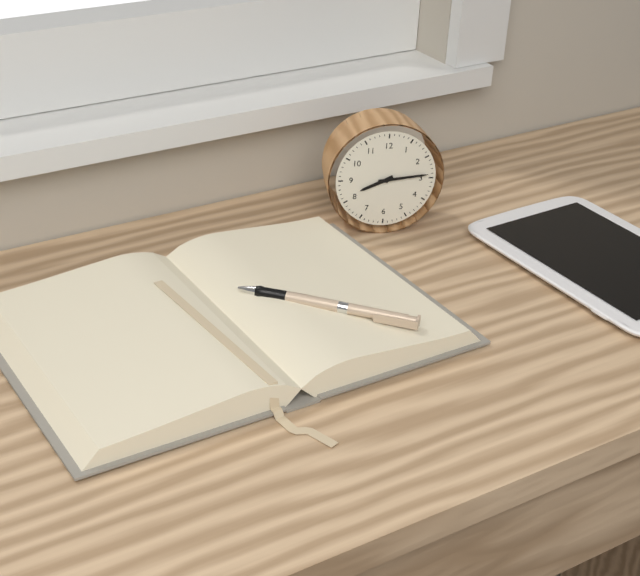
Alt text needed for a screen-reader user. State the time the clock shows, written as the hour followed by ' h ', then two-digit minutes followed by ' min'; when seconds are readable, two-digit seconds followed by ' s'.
8 h 14 min
